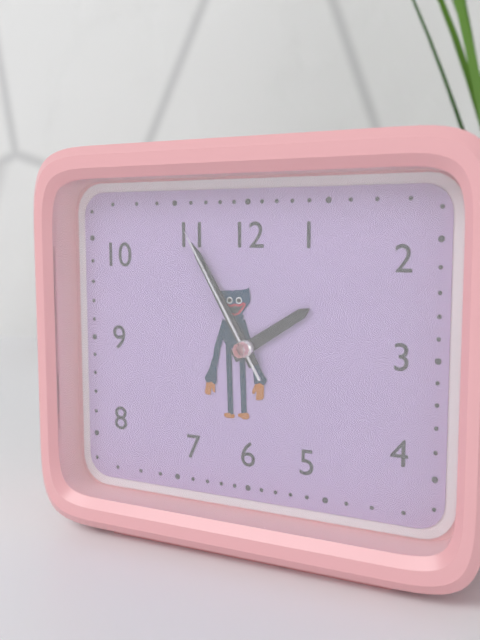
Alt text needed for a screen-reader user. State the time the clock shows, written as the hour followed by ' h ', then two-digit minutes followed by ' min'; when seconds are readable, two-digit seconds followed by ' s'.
1 h 55 min 55 s
